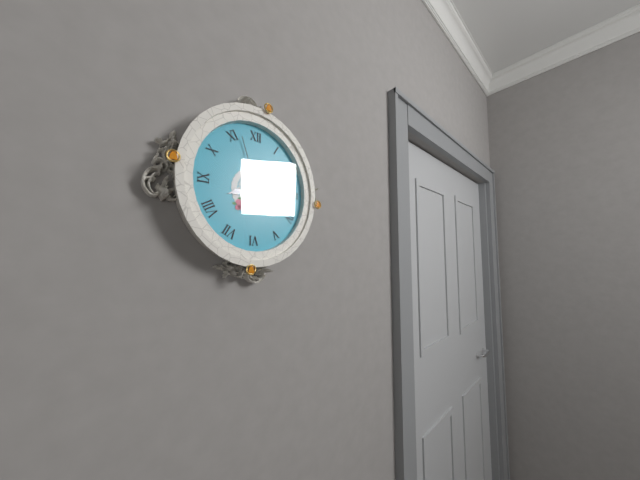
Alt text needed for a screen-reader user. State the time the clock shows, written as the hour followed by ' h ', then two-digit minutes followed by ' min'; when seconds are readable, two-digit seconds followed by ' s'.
8 h 17 min 57 s
